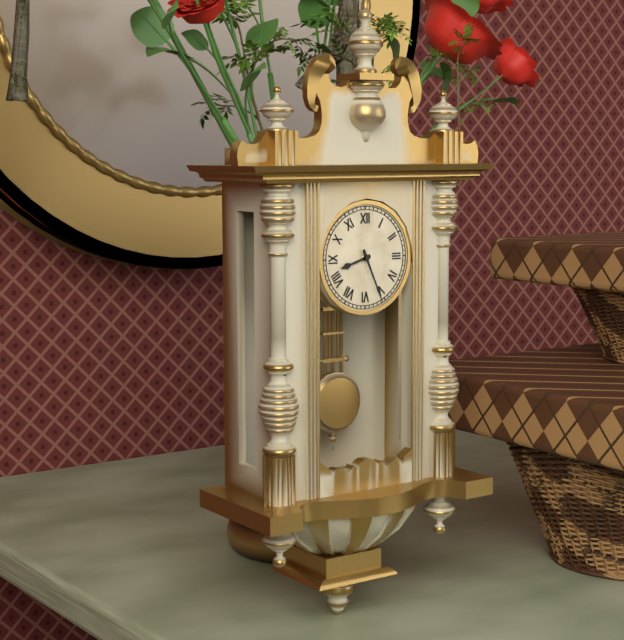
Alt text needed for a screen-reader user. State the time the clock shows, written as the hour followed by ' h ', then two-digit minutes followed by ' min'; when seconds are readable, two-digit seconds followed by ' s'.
8 h 26 min
